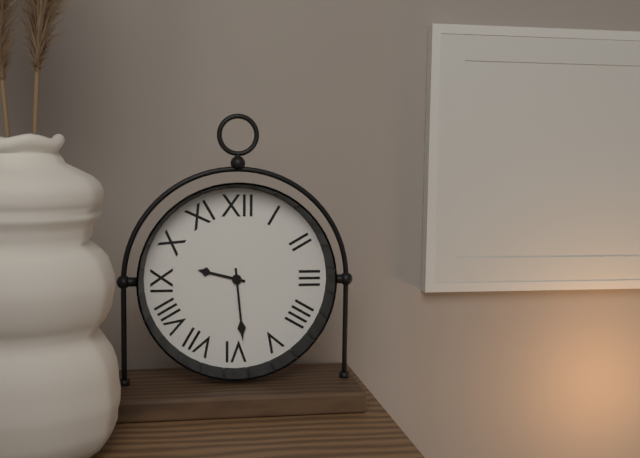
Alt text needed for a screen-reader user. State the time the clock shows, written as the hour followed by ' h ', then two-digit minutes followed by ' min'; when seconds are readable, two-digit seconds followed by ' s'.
9 h 29 min
